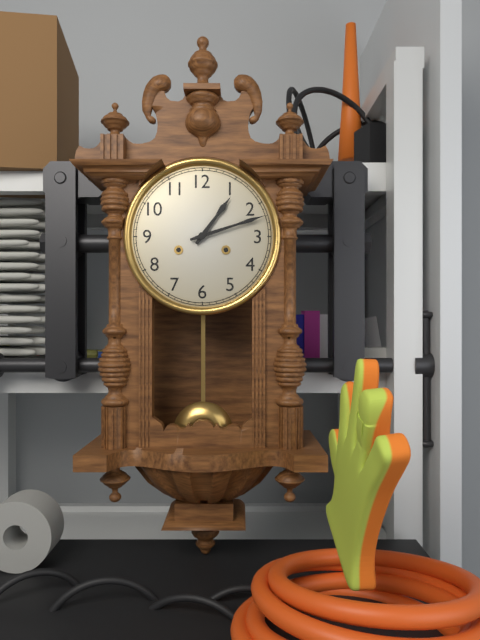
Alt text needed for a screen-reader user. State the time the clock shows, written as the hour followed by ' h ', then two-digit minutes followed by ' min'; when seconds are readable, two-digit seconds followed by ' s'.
1 h 12 min
